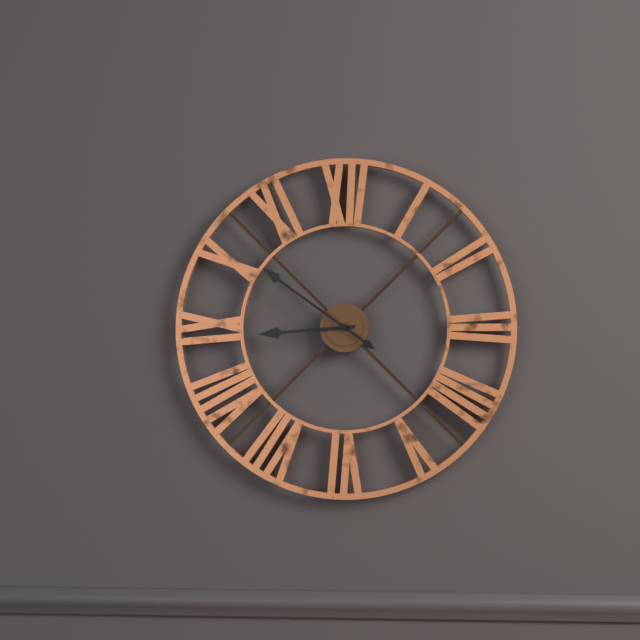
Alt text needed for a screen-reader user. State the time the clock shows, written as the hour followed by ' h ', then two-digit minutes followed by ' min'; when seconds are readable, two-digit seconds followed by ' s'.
8 h 51 min
